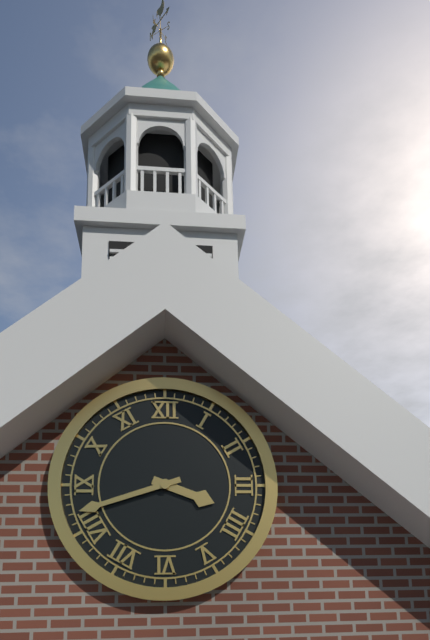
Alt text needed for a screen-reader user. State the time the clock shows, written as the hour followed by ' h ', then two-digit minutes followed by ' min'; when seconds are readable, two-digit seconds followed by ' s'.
3 h 42 min
